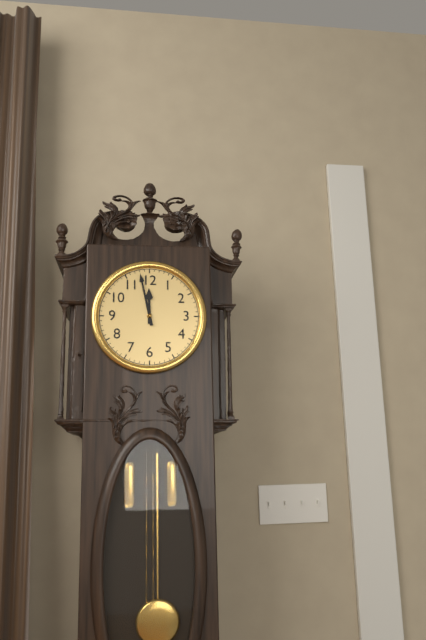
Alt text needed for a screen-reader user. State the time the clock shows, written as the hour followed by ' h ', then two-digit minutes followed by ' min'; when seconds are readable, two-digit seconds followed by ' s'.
11 h 58 min
